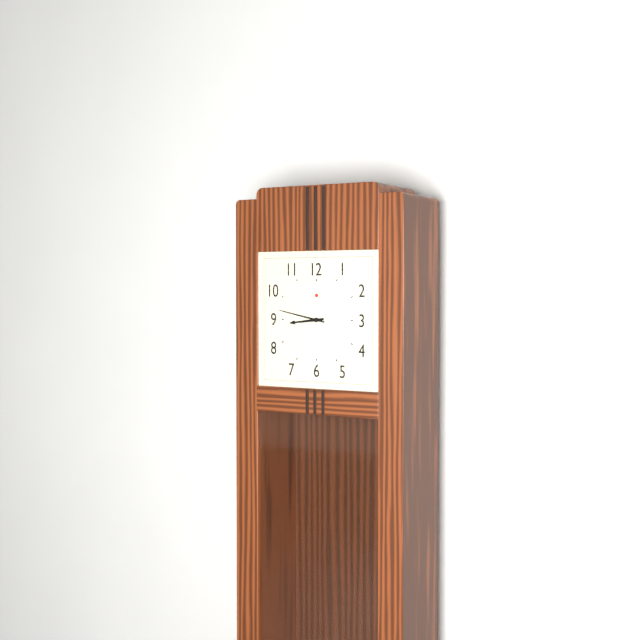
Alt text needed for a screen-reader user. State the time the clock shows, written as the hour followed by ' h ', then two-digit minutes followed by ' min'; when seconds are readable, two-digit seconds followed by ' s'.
8 h 47 min
